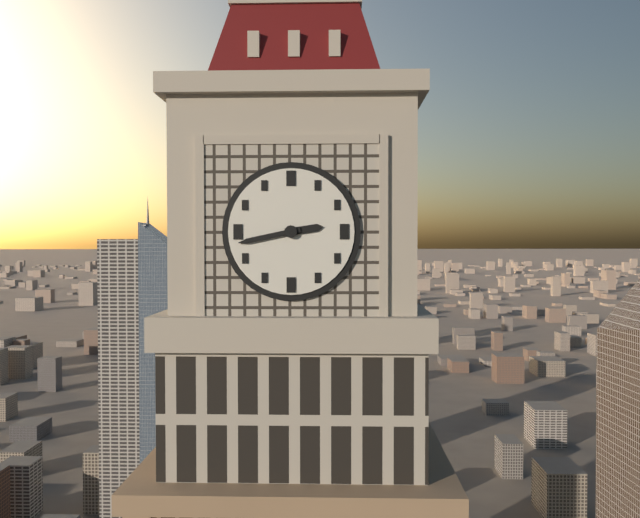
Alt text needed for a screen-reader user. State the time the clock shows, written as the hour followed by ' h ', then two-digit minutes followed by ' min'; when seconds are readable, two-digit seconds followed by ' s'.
2 h 43 min
